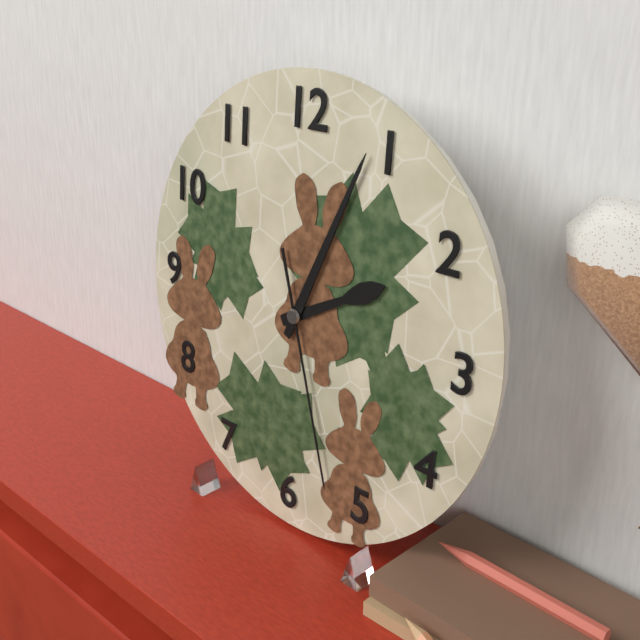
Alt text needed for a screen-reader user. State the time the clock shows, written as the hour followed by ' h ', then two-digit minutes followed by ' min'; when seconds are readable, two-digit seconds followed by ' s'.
2 h 04 min 27 s
